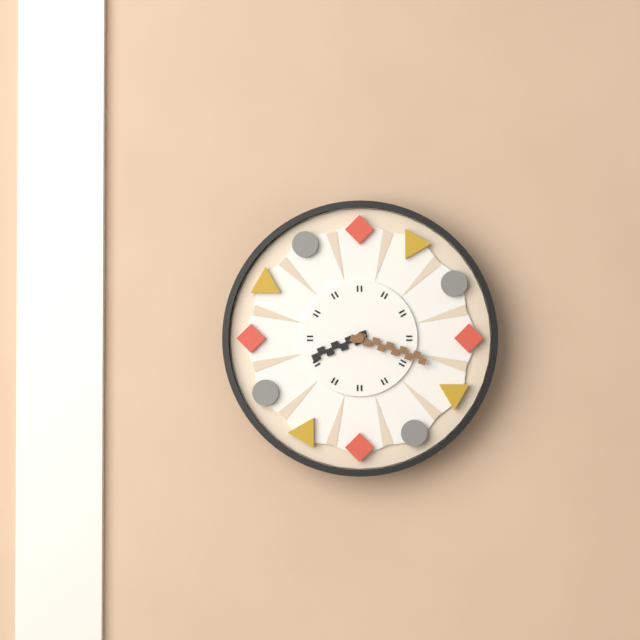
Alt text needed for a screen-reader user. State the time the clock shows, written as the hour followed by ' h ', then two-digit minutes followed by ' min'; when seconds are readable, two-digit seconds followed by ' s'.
8 h 18 min
